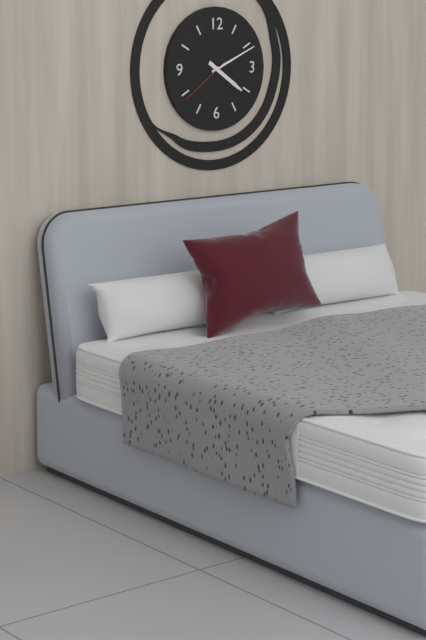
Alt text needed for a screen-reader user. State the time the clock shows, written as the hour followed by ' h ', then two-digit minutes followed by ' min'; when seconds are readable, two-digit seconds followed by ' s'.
4 h 11 min 39 s
